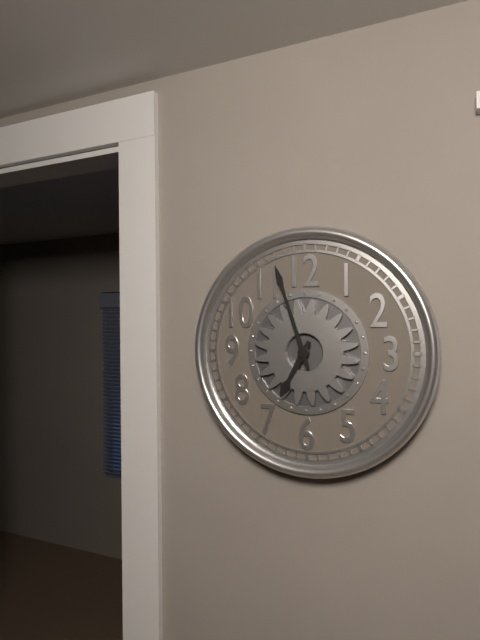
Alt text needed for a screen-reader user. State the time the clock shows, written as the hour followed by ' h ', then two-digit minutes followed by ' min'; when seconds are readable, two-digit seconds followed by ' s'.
6 h 57 min
